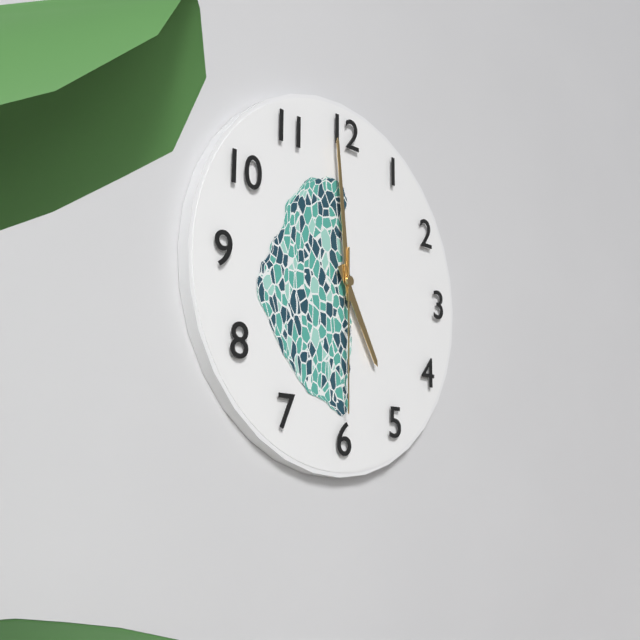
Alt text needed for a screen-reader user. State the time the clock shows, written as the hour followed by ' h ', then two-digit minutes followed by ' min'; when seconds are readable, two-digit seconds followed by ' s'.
4 h 59 min 30 s
